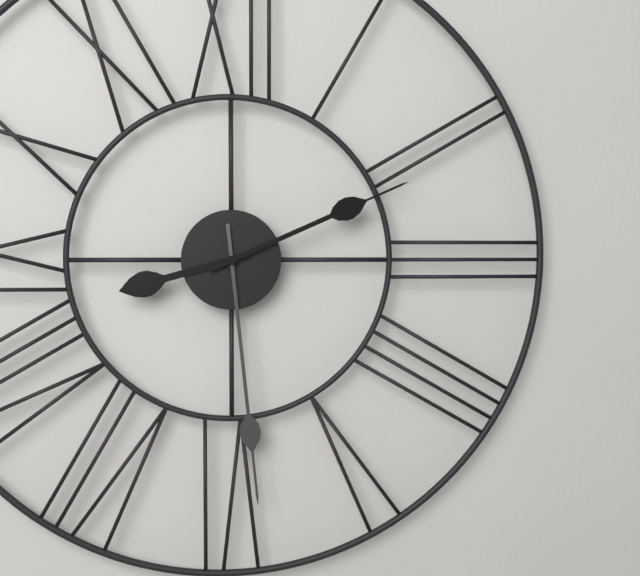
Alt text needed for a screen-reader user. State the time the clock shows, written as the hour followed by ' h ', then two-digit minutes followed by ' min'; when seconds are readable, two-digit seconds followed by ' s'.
8 h 29 min 11 s
